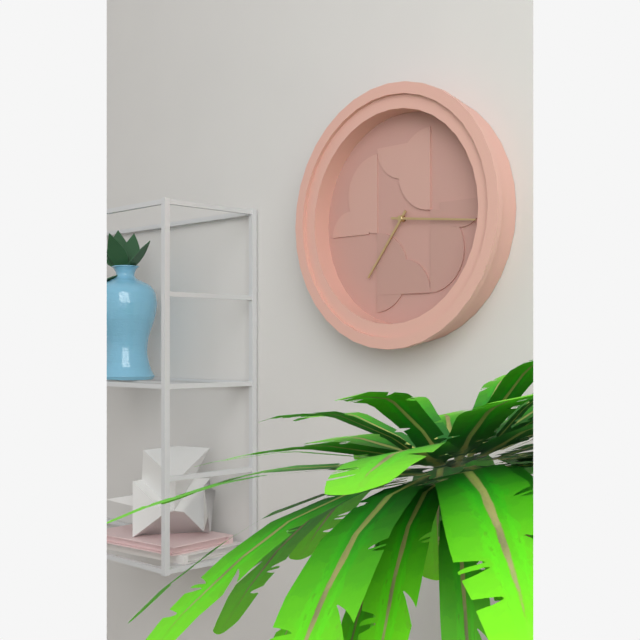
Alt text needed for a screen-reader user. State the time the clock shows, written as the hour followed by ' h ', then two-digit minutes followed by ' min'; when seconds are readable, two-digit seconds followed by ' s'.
7 h 16 min
